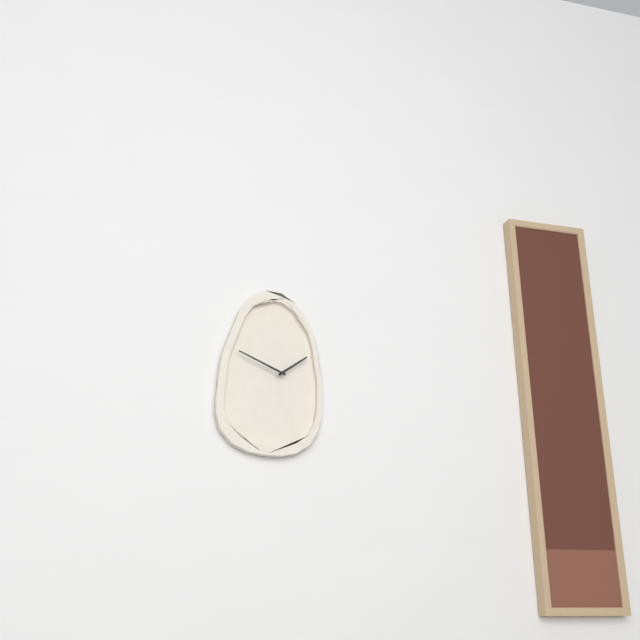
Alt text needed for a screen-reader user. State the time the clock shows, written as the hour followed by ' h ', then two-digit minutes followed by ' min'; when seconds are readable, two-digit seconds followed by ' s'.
1 h 49 min
